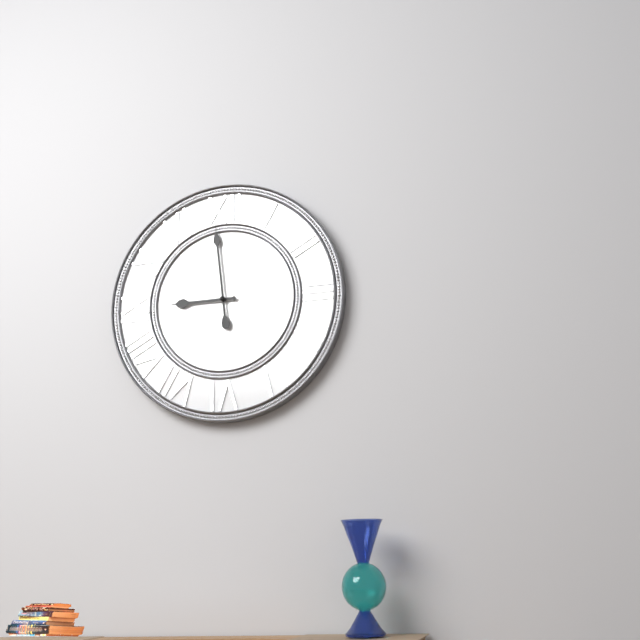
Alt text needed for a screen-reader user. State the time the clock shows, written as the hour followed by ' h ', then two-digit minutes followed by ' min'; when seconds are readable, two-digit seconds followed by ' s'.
8 h 59 min
